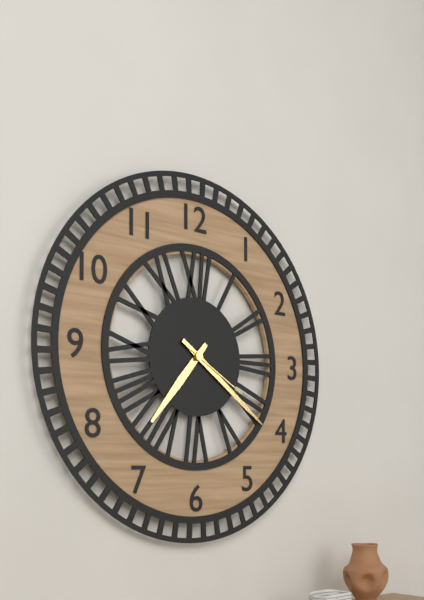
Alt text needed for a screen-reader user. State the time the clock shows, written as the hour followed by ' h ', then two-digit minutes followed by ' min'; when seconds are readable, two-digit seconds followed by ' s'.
7 h 21 min 20 s
